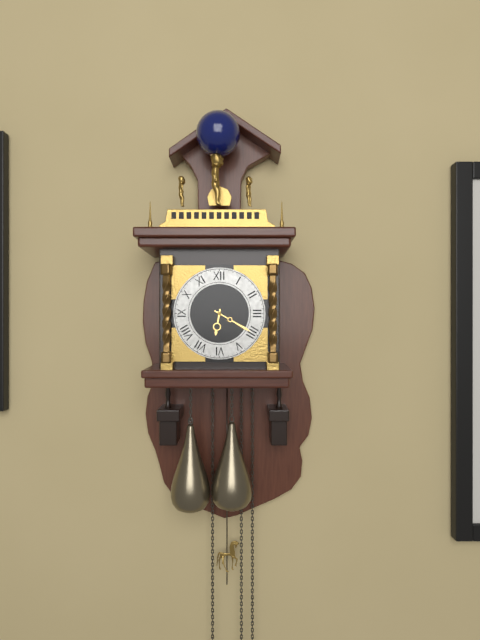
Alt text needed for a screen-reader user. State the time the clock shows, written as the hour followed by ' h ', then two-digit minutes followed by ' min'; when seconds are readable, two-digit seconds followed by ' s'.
6 h 20 min
